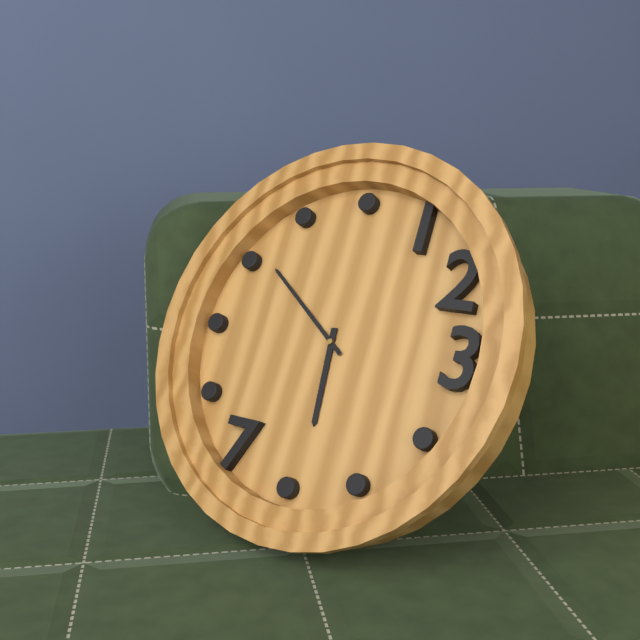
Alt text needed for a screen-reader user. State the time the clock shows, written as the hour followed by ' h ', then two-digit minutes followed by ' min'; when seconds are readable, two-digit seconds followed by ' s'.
5 h 51 min
